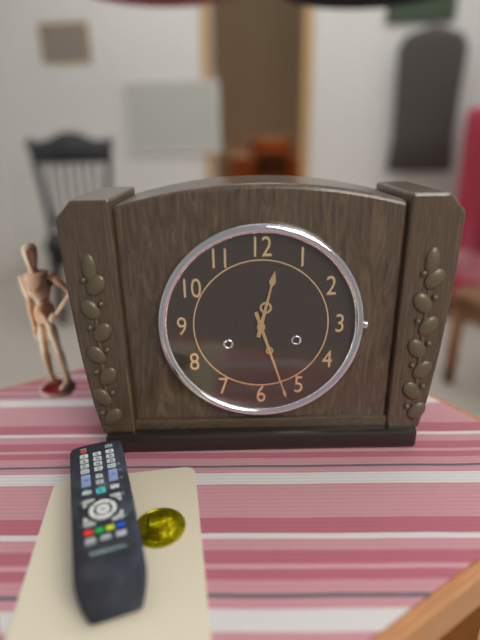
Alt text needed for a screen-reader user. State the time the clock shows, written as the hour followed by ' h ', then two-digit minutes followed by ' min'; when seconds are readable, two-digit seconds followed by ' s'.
12 h 27 min
